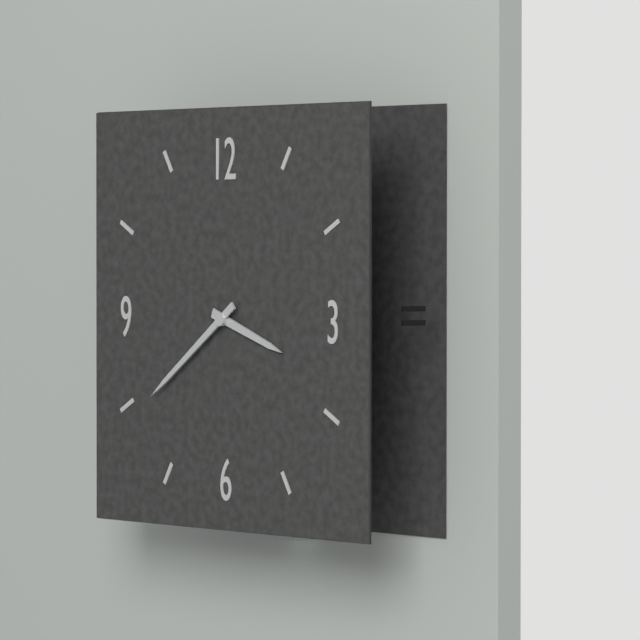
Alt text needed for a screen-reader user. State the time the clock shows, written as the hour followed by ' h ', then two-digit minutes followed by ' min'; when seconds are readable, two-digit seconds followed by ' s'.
3 h 39 min
